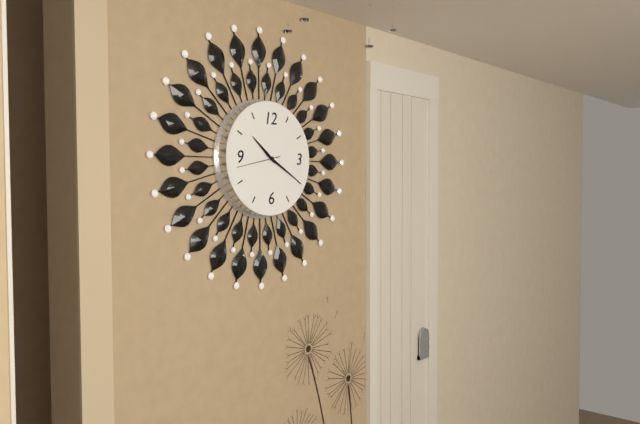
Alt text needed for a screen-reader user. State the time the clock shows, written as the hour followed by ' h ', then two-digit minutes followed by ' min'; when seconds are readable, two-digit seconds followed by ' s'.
10 h 20 min
